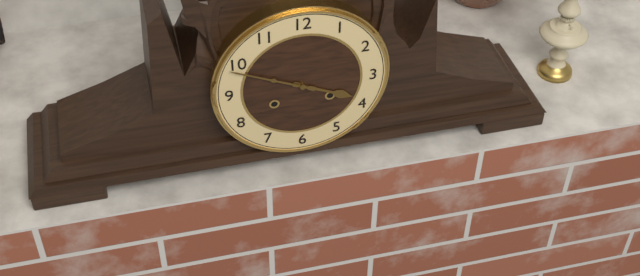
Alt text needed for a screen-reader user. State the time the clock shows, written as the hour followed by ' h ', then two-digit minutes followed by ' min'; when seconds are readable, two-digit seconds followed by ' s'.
3 h 49 min
